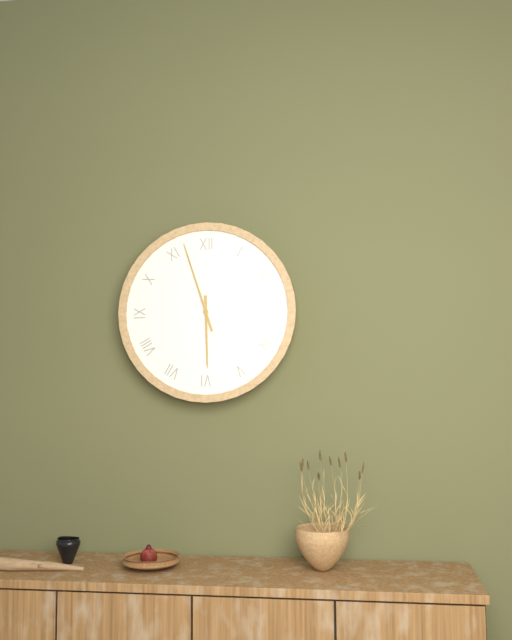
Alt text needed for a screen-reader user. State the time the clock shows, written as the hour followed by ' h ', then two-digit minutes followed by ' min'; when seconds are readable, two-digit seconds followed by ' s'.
5 h 57 min
